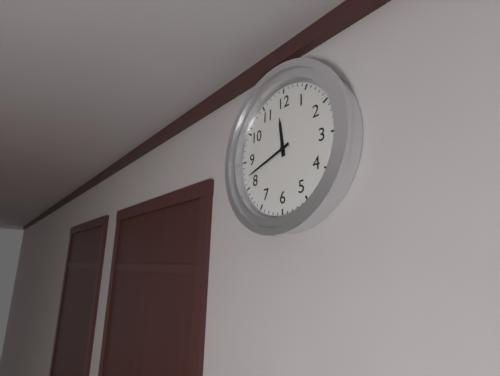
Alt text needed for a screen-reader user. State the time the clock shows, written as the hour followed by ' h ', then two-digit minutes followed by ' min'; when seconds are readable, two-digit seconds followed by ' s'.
11 h 42 min
